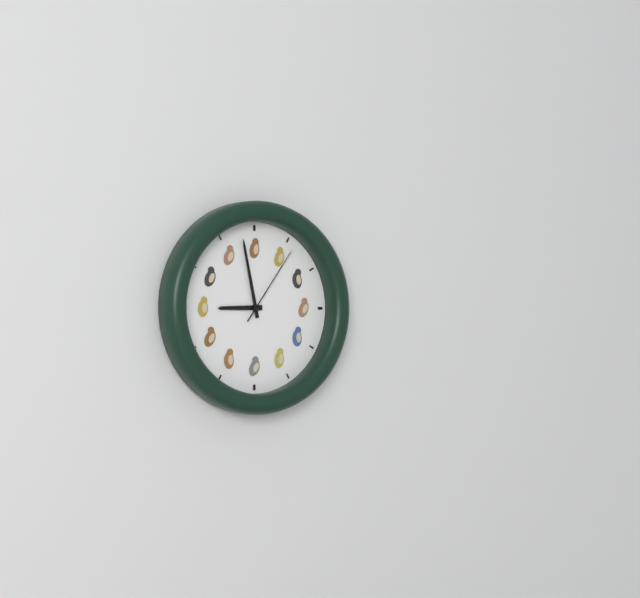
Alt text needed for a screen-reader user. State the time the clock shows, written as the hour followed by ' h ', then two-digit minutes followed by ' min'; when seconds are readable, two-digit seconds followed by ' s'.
8 h 58 min 06 s
